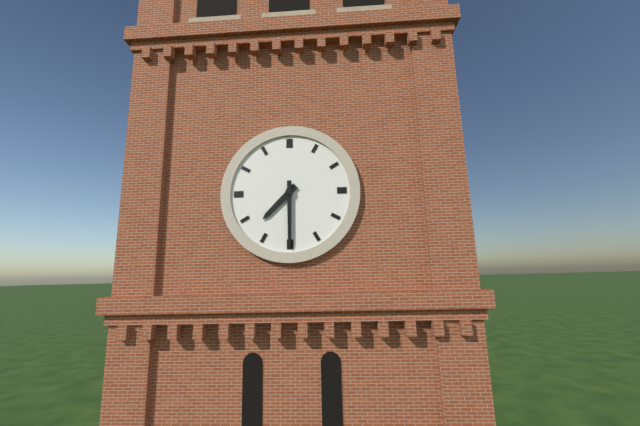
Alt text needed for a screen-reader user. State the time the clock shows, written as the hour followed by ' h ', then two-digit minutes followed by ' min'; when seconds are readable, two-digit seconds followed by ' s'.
7 h 30 min
